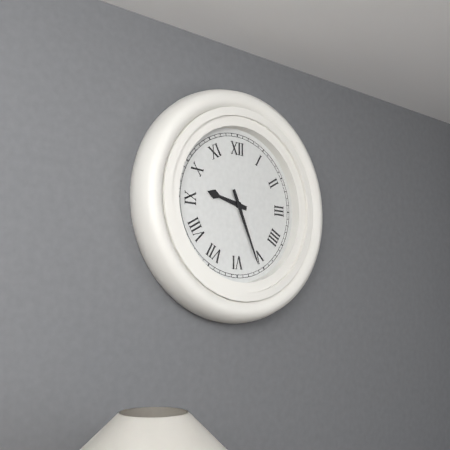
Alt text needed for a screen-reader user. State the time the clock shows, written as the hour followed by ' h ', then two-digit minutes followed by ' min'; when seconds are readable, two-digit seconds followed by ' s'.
9 h 26 min
